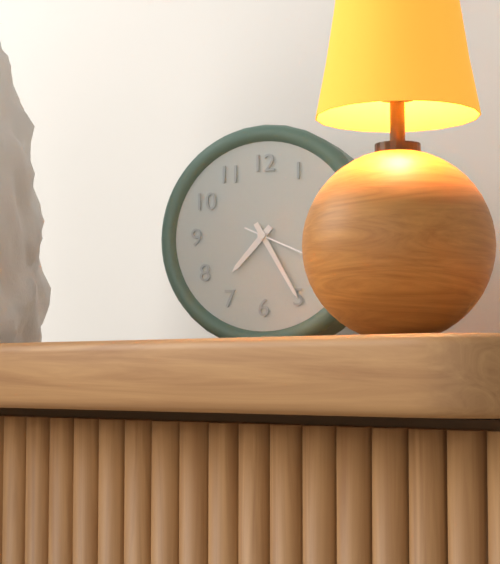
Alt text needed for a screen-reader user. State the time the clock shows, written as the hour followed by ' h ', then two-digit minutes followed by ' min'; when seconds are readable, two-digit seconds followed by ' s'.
7 h 25 min
